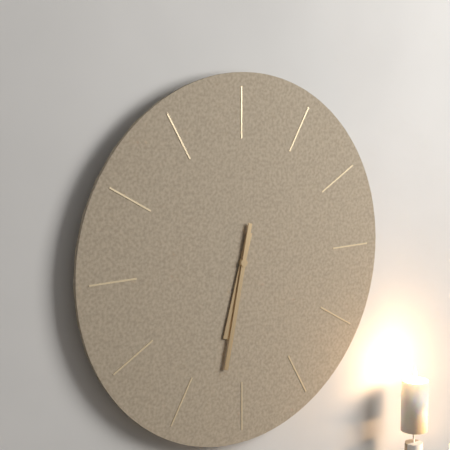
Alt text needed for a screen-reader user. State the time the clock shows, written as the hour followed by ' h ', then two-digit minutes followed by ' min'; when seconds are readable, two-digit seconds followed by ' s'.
6 h 32 min
